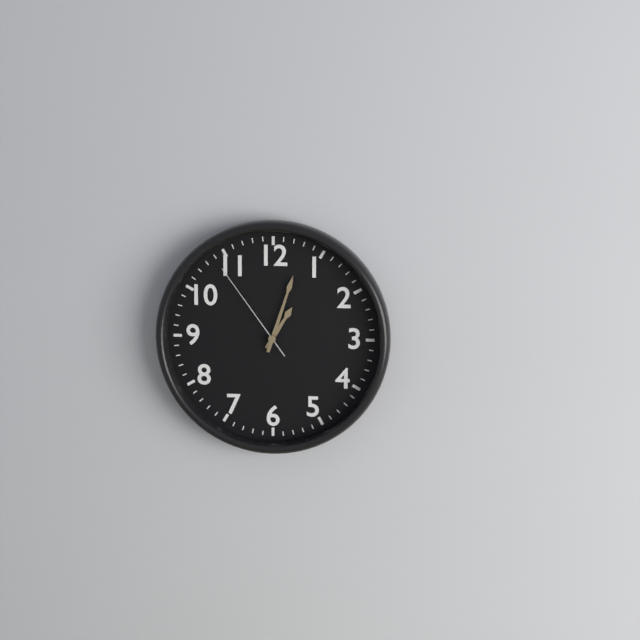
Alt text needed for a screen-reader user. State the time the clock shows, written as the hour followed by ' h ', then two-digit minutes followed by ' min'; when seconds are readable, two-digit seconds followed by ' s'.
1 h 03 min 54 s
